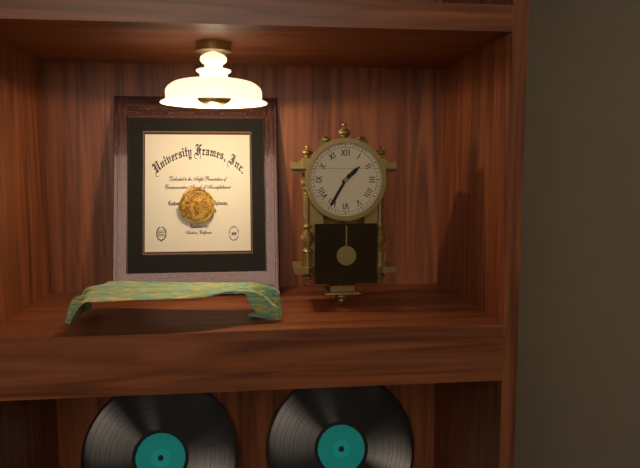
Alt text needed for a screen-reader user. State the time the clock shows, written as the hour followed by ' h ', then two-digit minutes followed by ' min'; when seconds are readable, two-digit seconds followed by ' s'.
1 h 35 min
